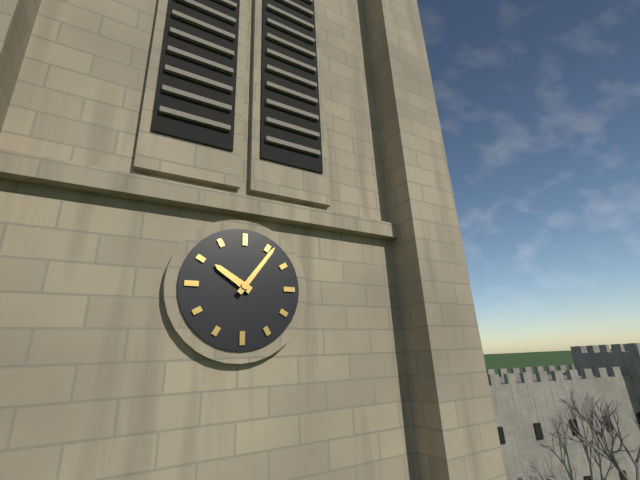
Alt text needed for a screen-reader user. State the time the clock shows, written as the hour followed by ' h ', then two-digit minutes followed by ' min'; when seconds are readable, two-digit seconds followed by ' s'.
10 h 06 min
